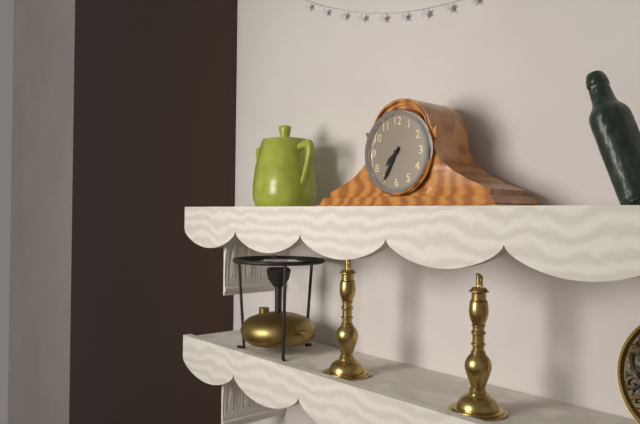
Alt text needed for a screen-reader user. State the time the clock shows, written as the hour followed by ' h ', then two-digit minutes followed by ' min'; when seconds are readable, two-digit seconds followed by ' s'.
7 h 35 min
